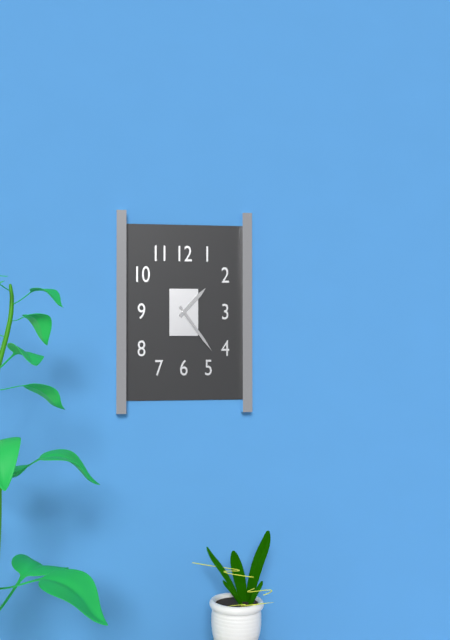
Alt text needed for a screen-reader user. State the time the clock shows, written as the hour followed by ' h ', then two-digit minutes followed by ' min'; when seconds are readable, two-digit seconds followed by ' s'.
1 h 24 min
